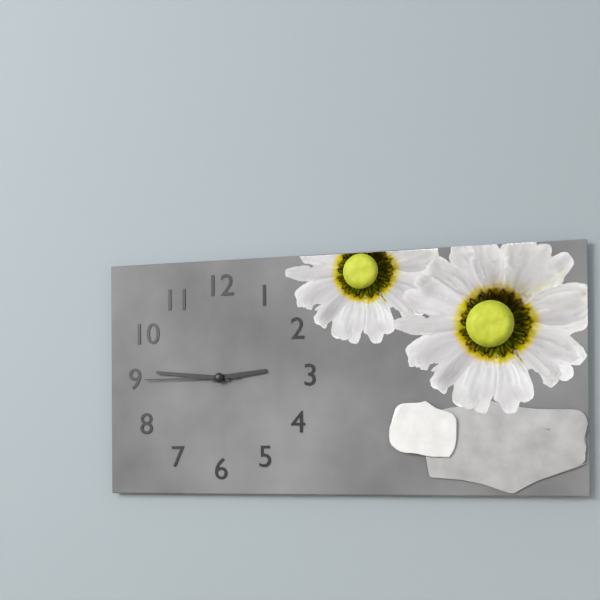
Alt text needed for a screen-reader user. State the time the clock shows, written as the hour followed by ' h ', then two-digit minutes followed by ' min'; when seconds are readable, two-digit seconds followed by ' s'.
2 h 46 min 45 s
